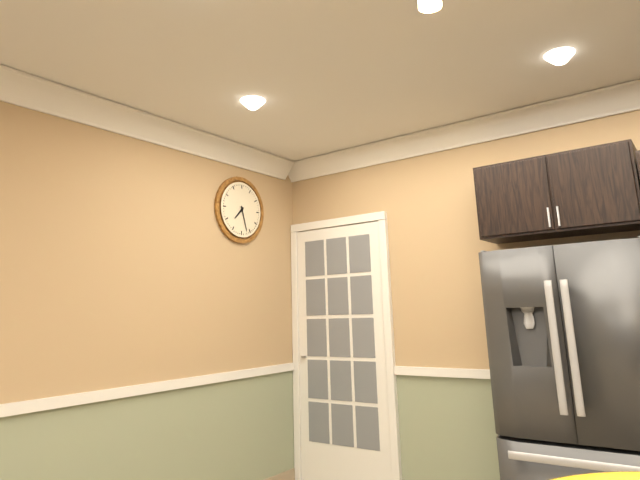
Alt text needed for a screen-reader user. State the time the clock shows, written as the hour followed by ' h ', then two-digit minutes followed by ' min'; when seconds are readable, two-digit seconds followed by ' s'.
7 h 27 min
